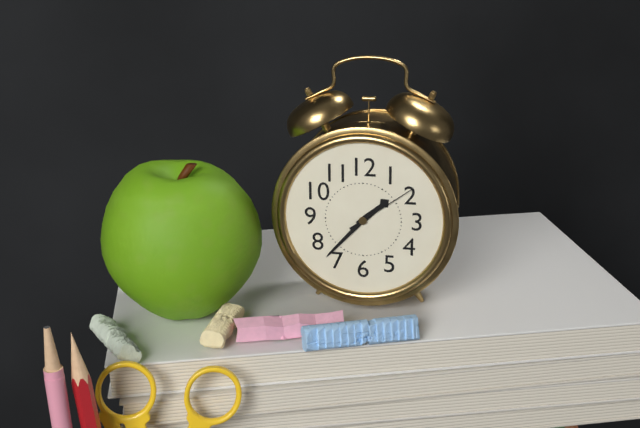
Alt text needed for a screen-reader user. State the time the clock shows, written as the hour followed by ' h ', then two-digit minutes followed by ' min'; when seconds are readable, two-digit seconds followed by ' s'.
1 h 37 min 09 s
